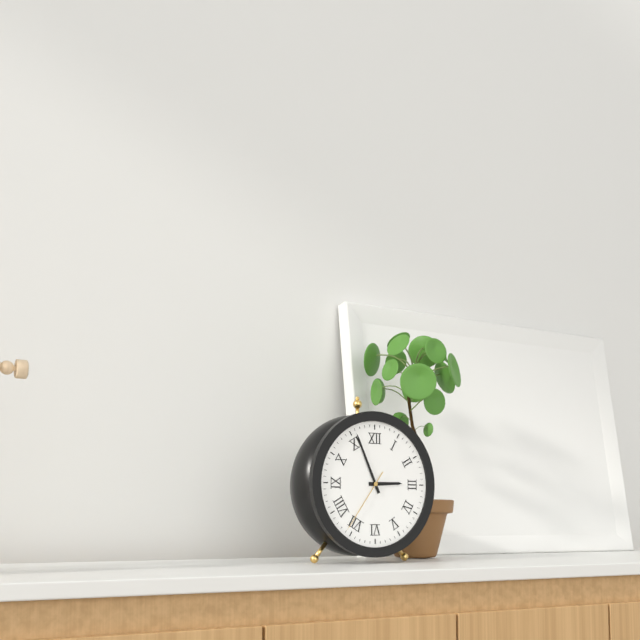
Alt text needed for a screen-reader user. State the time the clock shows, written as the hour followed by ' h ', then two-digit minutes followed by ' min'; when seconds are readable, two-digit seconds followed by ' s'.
2 h 56 min 36 s
